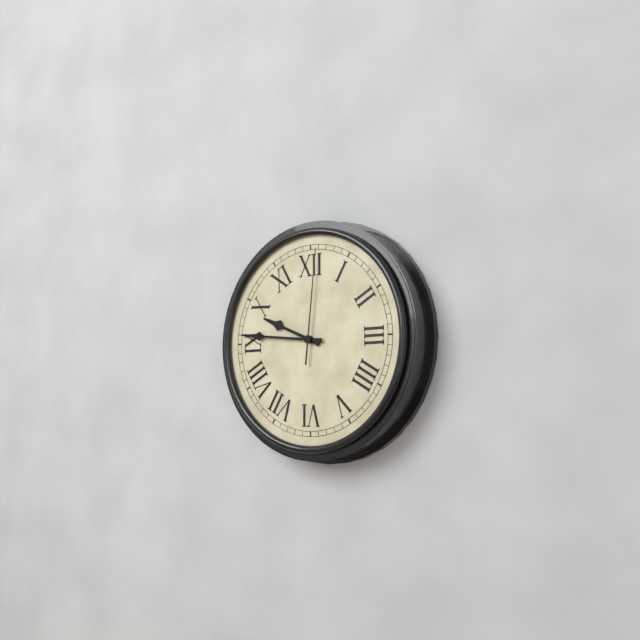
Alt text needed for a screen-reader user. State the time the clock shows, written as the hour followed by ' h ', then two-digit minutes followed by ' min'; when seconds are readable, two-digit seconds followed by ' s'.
9 h 46 min 01 s
